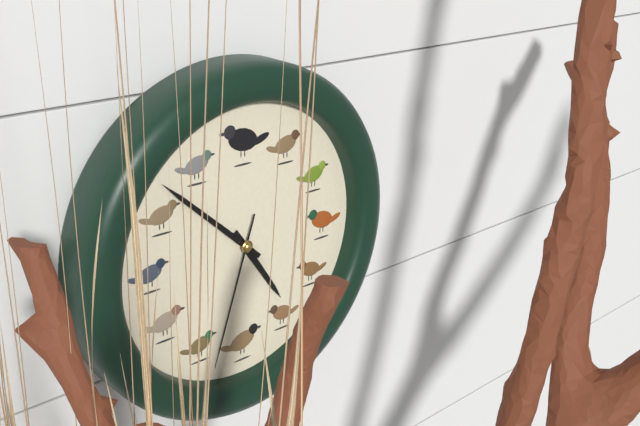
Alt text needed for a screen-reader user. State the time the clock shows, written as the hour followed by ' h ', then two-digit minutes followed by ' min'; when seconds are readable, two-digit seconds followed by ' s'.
4 h 52 min 33 s
